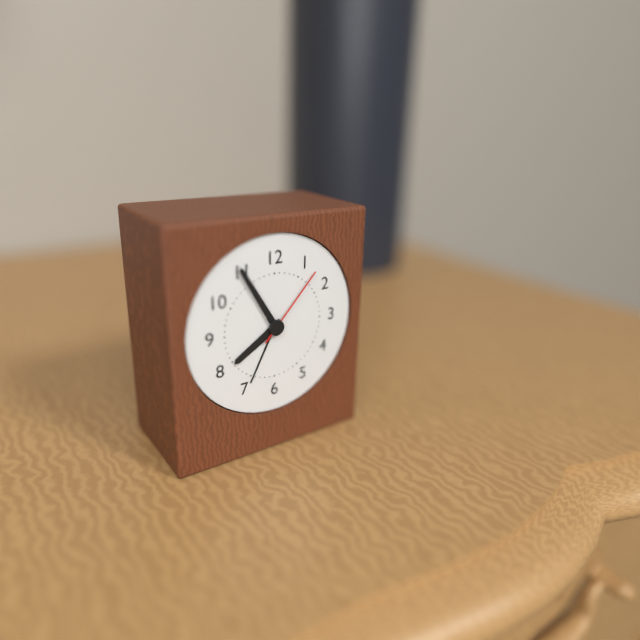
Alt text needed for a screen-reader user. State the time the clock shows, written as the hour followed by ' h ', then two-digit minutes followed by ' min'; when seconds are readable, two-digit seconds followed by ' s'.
7 h 55 min 07 s
